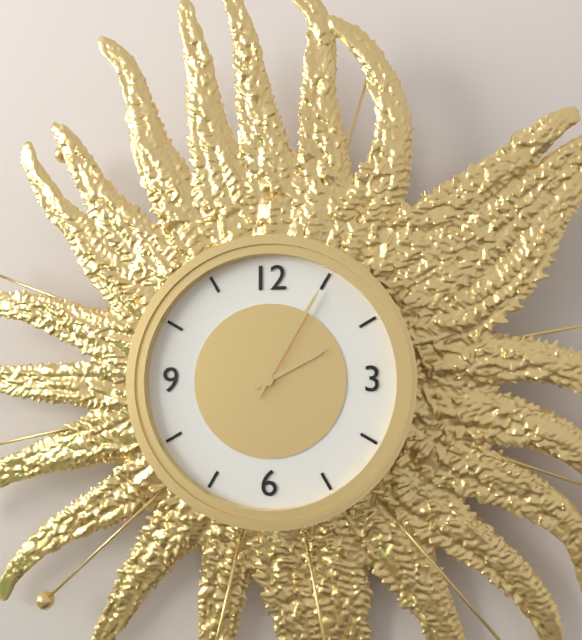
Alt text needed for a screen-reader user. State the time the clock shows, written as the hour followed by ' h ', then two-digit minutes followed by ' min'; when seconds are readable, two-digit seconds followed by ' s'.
2 h 05 min
